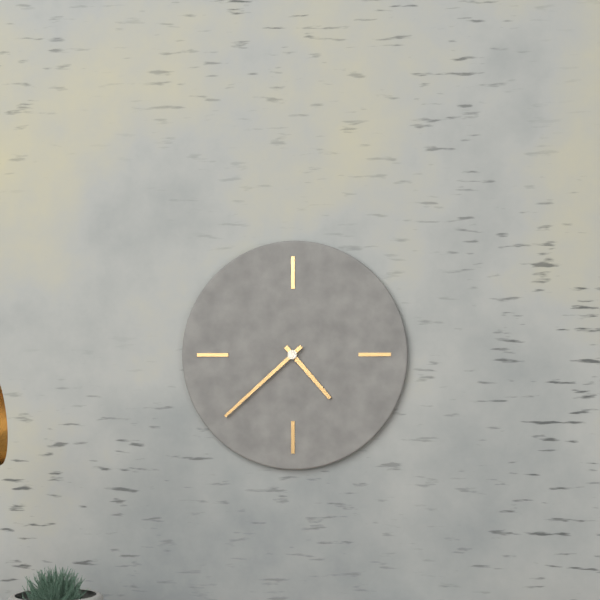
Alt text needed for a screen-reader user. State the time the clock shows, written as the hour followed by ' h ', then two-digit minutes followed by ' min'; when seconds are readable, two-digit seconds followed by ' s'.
4 h 38 min
